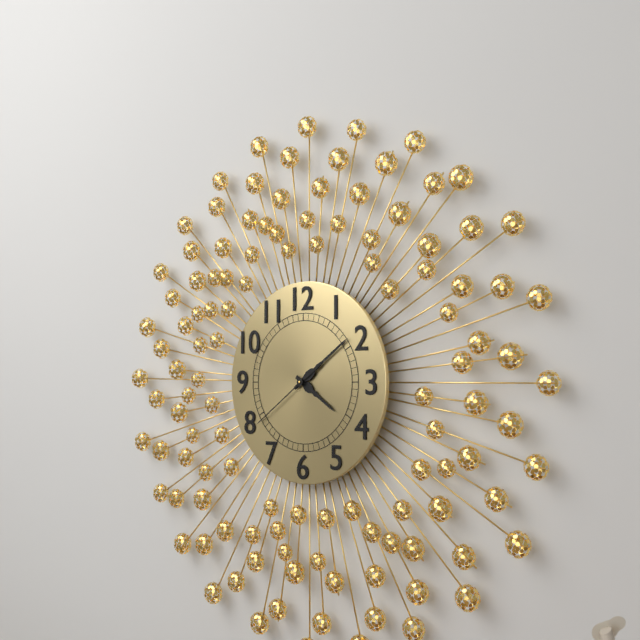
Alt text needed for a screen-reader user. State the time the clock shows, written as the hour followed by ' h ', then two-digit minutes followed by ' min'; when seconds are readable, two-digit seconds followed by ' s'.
4 h 09 min 39 s
